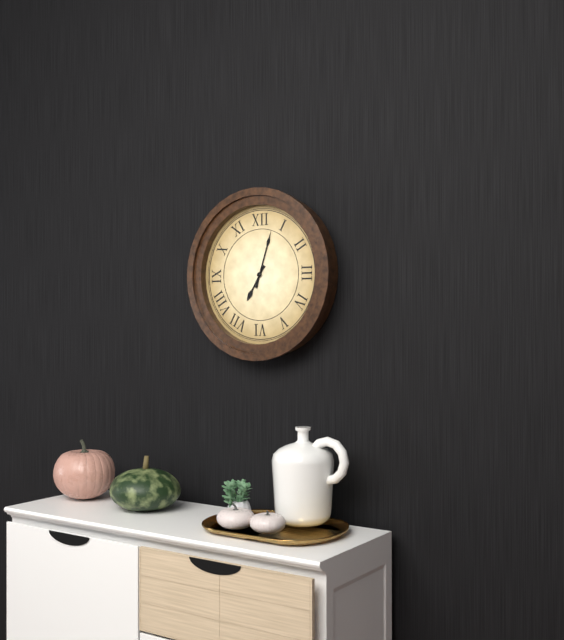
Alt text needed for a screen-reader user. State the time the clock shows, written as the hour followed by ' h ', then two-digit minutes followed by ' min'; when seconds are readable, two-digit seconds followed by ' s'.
7 h 03 min
